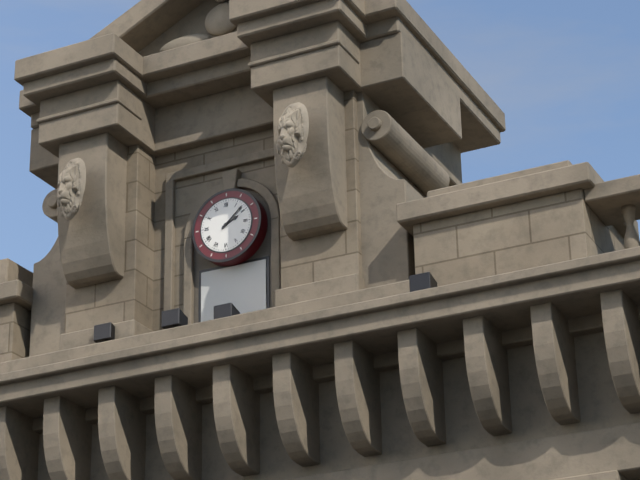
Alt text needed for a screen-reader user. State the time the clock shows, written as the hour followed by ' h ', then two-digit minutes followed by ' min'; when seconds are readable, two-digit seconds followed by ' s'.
2 h 08 min
